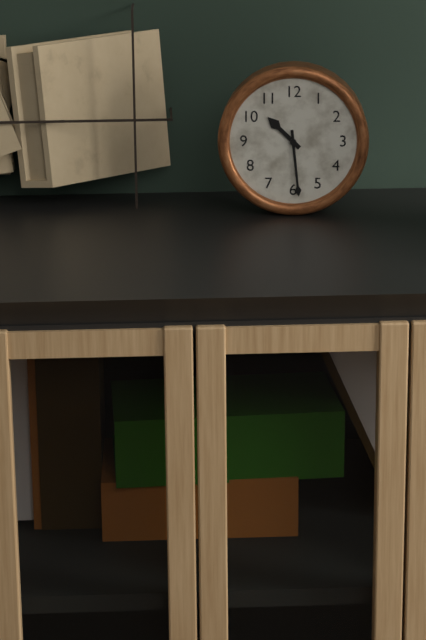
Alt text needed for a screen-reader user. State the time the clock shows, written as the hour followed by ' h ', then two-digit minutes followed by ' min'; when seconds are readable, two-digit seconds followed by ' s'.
10 h 29 min
